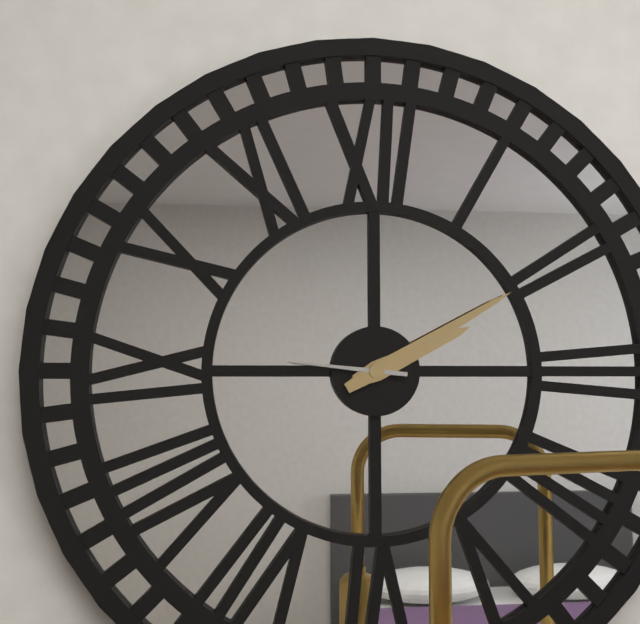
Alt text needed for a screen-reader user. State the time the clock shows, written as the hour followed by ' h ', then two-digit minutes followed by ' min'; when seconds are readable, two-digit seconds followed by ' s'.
2 h 10 min 46 s
